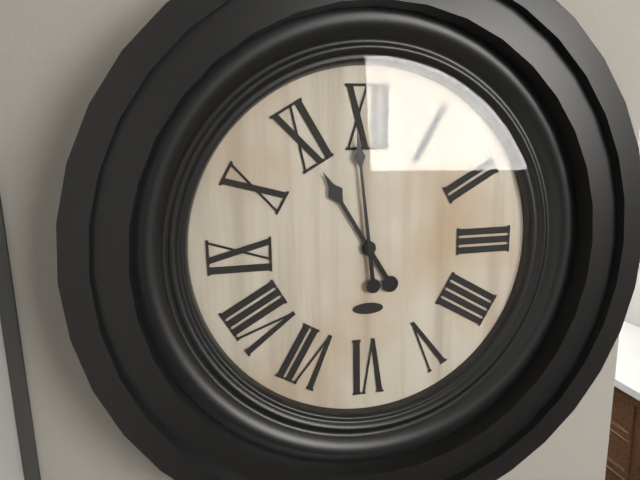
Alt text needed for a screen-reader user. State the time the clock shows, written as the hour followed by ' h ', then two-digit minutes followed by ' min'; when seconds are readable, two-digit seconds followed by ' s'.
10 h 59 min
